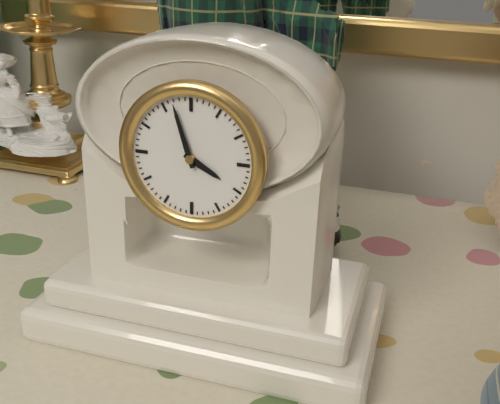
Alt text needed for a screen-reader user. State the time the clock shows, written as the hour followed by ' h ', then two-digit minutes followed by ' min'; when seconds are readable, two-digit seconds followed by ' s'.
3 h 57 min
